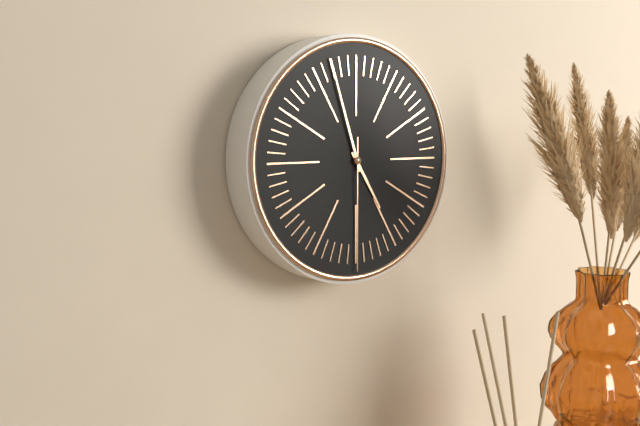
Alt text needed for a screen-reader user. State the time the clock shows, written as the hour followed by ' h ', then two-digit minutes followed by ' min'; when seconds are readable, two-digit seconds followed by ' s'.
4 h 57 min 30 s
